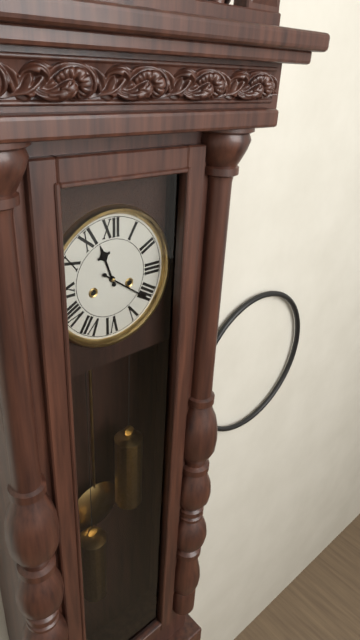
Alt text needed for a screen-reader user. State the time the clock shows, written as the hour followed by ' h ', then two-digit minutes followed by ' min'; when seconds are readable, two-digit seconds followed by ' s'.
11 h 21 min
